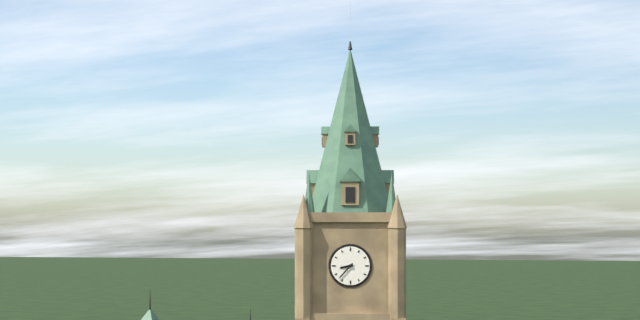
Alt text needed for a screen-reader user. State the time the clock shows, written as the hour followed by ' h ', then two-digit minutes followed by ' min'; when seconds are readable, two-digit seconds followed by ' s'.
8 h 37 min
